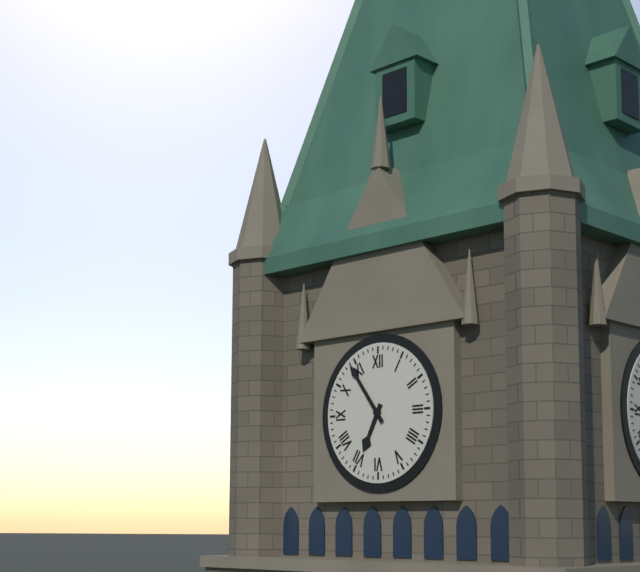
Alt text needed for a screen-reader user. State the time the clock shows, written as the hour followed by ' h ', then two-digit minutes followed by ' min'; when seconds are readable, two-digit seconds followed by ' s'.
6 h 54 min
